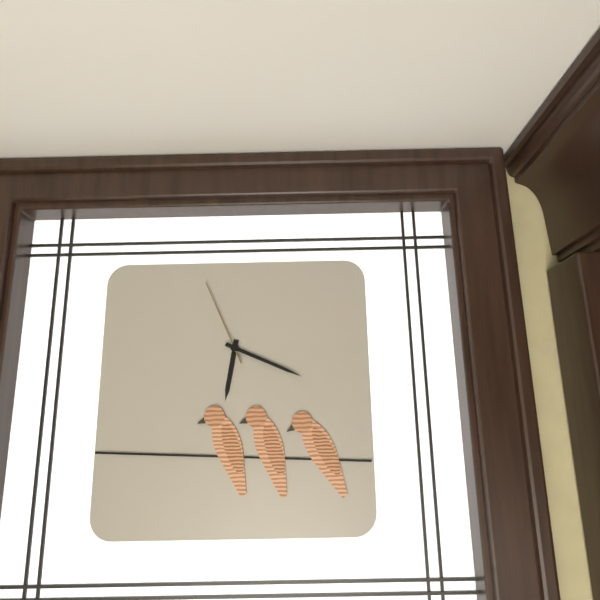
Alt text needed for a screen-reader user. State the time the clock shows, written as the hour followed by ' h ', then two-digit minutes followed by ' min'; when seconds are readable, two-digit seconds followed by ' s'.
6 h 19 min 56 s
